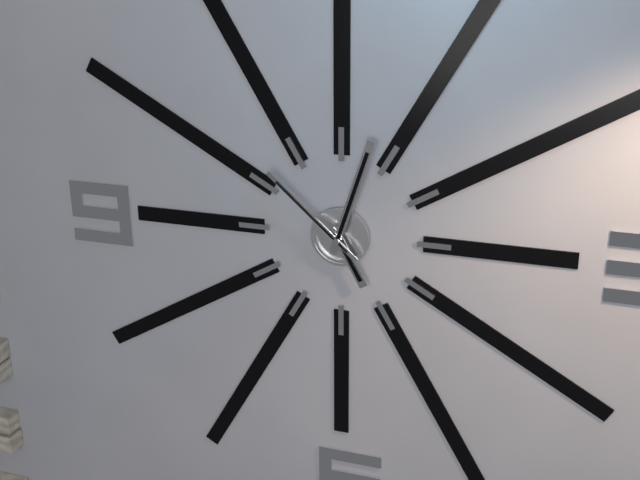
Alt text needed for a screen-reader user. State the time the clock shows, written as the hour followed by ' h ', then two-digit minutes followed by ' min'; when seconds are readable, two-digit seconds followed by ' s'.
5 h 03 min 52 s
